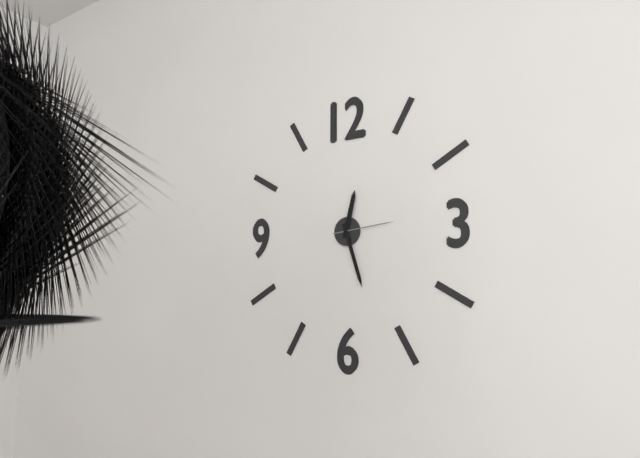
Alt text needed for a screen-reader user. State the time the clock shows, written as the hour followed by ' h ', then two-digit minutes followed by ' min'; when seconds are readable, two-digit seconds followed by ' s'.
12 h 27 min 14 s
